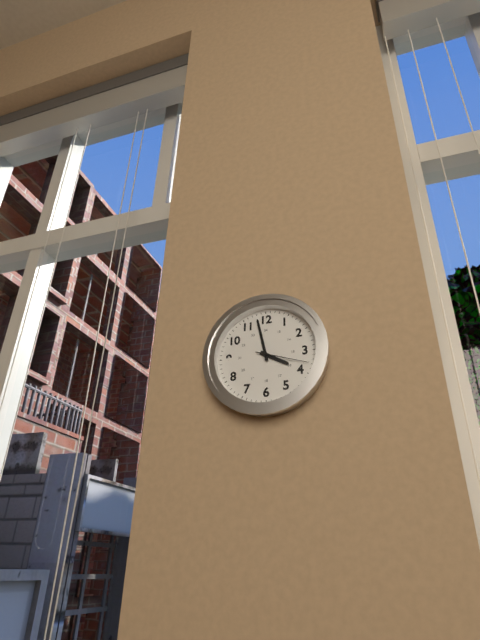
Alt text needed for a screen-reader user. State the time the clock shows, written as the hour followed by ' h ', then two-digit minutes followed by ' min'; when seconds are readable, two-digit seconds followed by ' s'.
3 h 58 min 18 s
